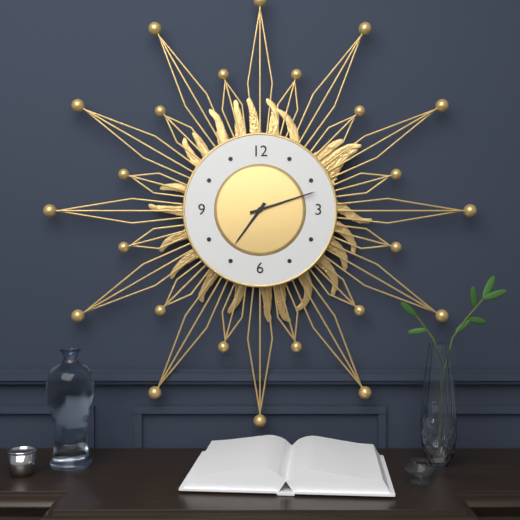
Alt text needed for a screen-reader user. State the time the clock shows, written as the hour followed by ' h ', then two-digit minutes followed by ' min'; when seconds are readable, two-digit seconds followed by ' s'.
7 h 12 min
